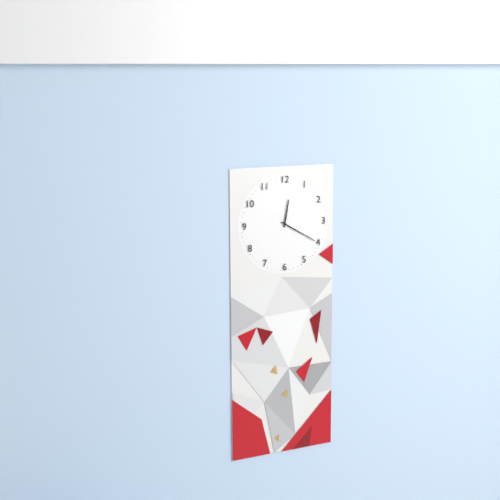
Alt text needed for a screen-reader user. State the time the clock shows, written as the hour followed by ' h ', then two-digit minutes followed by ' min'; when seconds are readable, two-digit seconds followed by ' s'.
12 h 20 min
